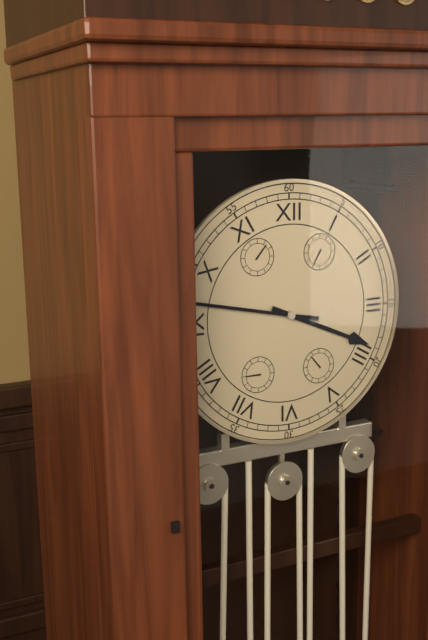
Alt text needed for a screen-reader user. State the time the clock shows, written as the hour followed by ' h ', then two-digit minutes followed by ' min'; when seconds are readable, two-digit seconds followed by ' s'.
3 h 47 min
